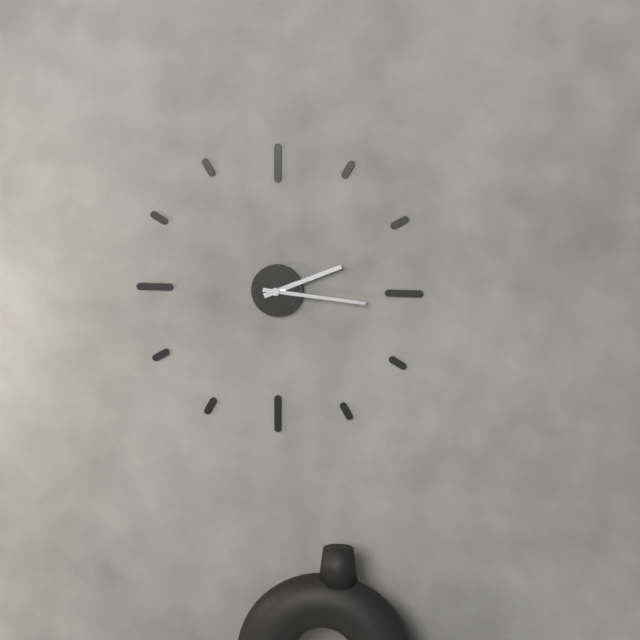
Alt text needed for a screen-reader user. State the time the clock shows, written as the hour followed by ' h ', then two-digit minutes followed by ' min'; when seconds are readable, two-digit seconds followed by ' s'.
2 h 16 min
